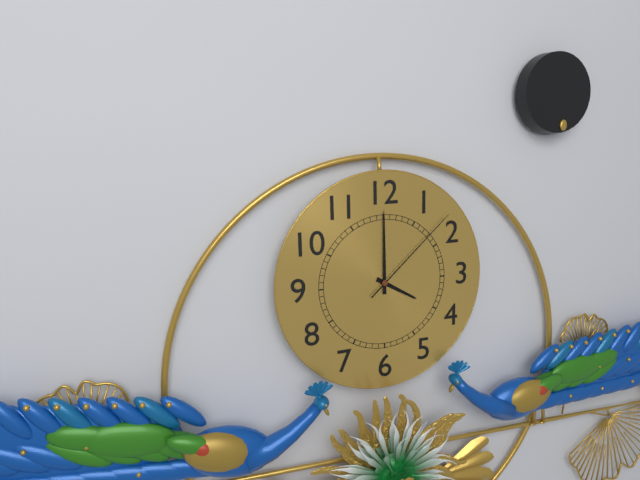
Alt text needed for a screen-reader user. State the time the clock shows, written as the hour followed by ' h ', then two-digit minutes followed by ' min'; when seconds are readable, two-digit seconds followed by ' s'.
4 h 00 min 08 s
